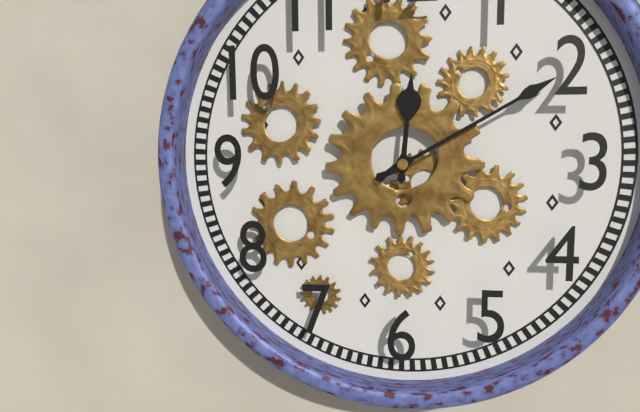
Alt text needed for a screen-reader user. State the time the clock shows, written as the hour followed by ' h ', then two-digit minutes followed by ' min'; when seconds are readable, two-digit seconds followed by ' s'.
12 h 10 min
